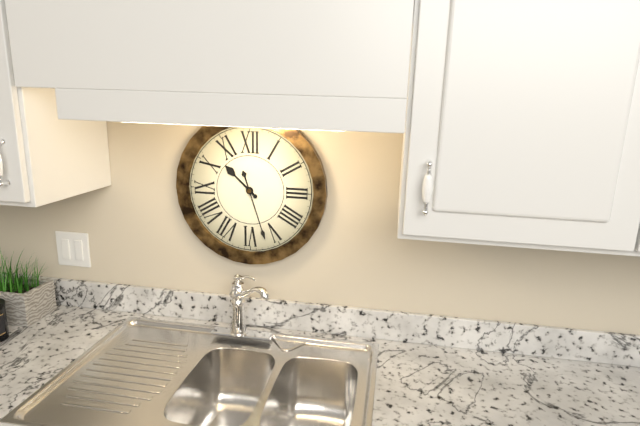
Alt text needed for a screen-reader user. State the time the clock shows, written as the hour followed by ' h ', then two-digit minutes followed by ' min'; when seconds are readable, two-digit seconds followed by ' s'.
10 h 27 min
